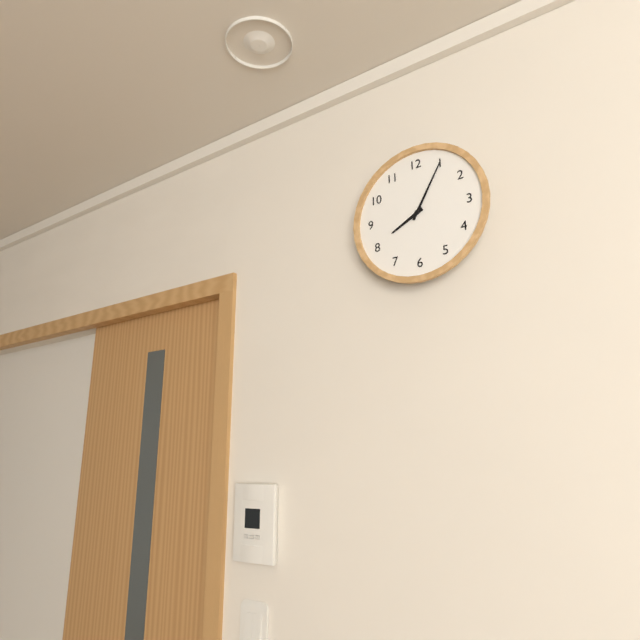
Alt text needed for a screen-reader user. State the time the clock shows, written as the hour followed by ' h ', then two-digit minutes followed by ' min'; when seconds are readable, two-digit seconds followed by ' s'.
8 h 05 min
